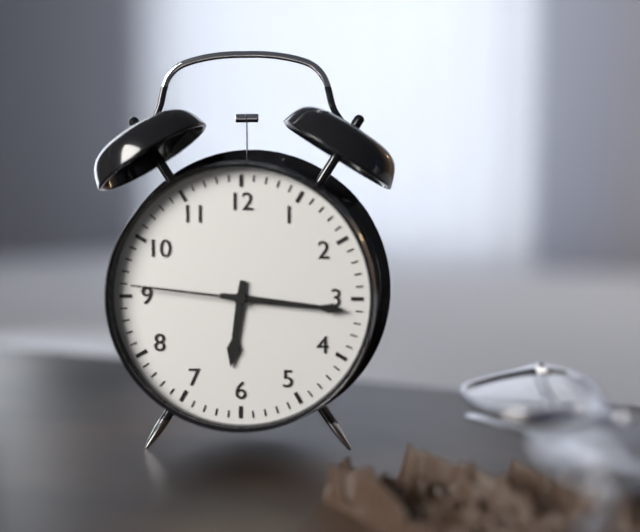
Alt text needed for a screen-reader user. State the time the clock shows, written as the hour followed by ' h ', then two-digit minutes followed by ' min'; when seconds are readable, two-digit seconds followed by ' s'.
6 h 16 min 46 s
